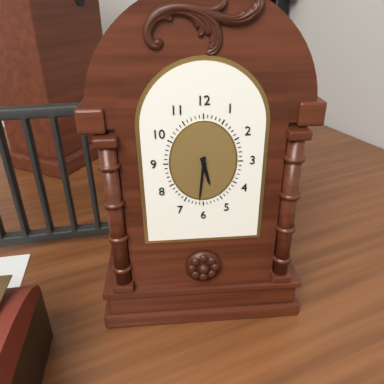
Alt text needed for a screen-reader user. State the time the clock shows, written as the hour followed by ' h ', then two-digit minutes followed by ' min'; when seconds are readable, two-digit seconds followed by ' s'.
5 h 31 min
